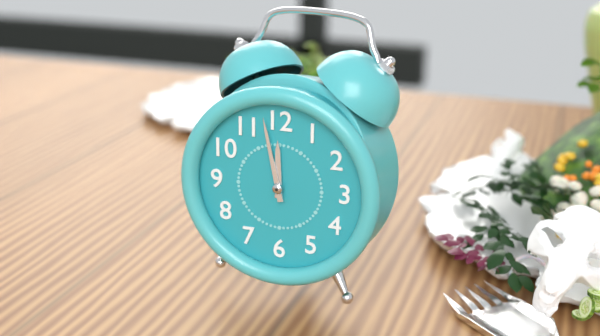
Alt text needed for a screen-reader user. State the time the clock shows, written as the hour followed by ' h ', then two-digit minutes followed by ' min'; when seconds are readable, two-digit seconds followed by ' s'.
11 h 58 min
